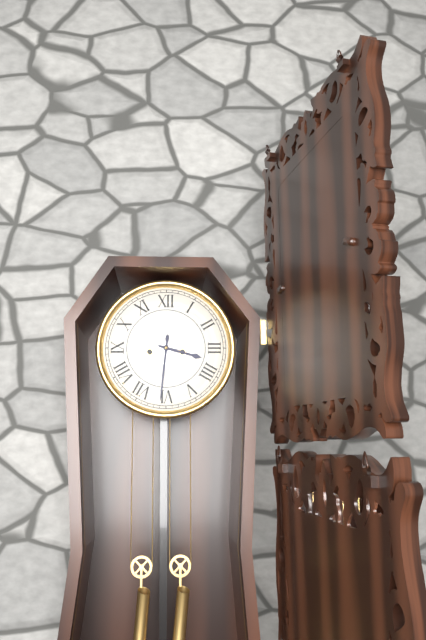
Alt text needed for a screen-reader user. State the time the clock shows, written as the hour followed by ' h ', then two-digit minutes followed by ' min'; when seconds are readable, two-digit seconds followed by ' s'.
3 h 31 min
